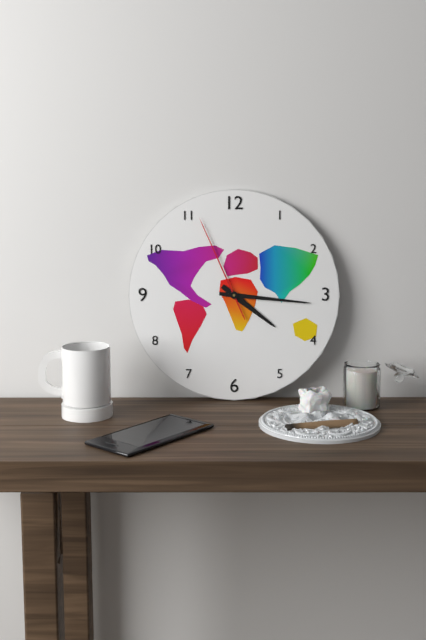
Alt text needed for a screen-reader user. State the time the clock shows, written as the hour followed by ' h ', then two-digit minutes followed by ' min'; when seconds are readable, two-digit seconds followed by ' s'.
4 h 16 min 56 s
